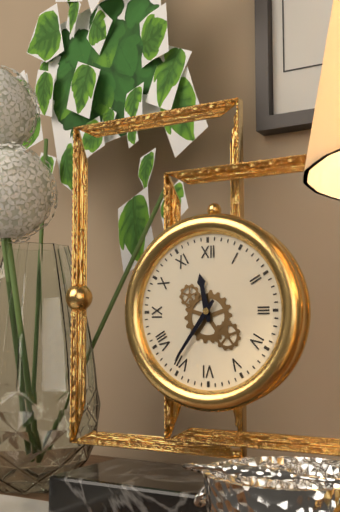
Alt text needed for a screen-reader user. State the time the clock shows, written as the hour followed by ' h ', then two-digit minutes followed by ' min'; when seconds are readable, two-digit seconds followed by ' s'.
11 h 36 min
